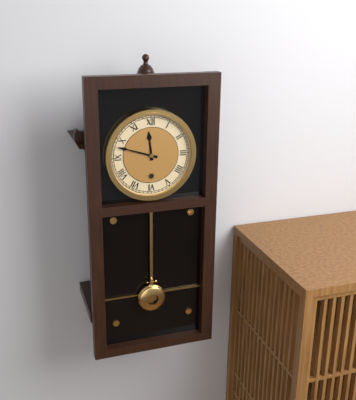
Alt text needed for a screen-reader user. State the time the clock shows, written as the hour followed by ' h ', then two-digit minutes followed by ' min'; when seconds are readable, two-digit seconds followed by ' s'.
11 h 48 min
